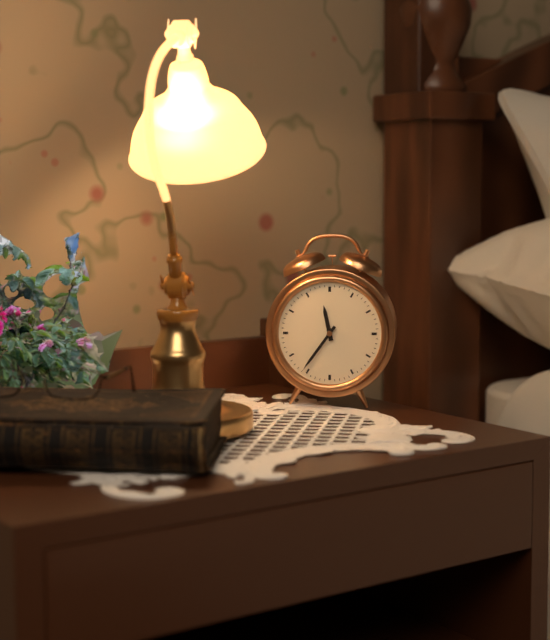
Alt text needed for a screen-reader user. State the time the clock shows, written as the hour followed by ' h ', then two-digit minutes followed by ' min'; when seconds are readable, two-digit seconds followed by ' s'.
11 h 36 min
